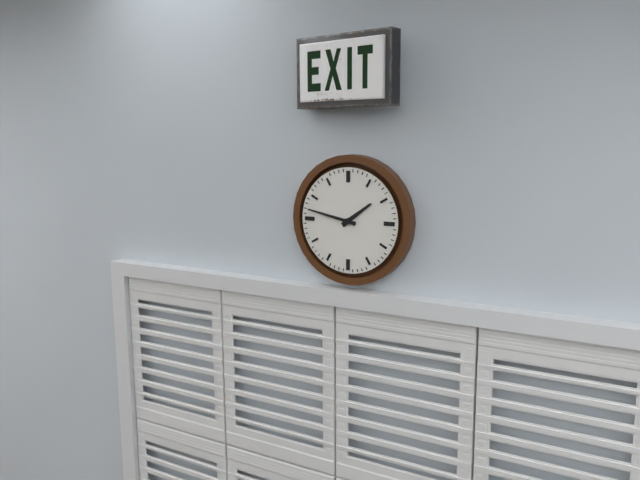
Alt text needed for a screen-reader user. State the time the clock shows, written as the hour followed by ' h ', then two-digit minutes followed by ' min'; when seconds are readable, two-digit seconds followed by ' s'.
1 h 47 min
